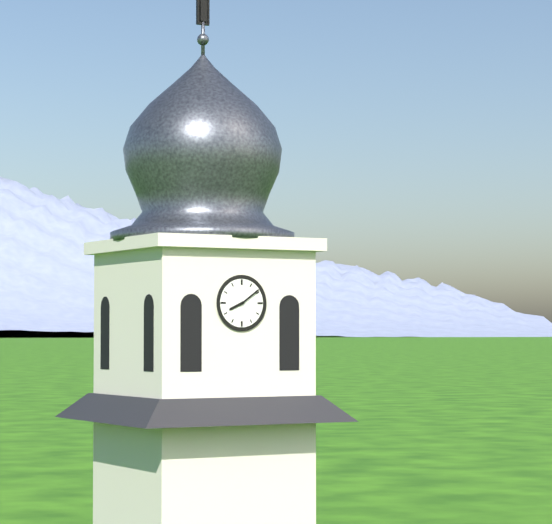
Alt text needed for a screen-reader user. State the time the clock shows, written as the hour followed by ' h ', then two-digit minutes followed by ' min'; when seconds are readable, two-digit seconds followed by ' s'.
8 h 09 min
